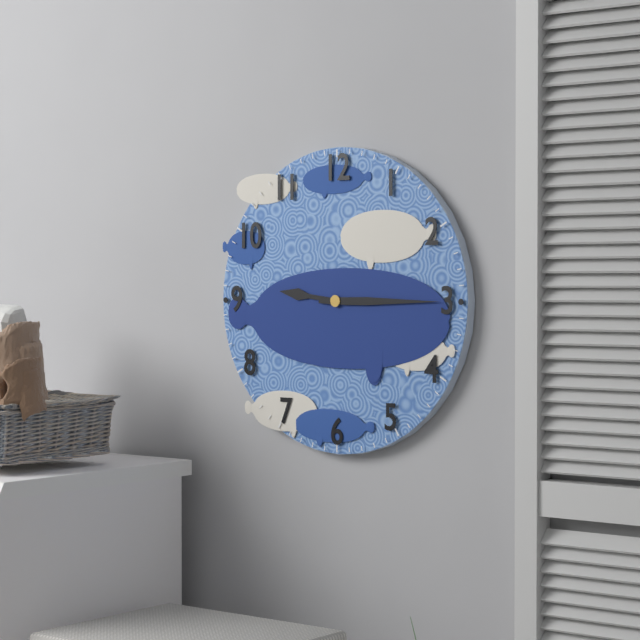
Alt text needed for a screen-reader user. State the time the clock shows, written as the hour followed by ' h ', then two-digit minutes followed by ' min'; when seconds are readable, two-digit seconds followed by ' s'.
9 h 15 min
